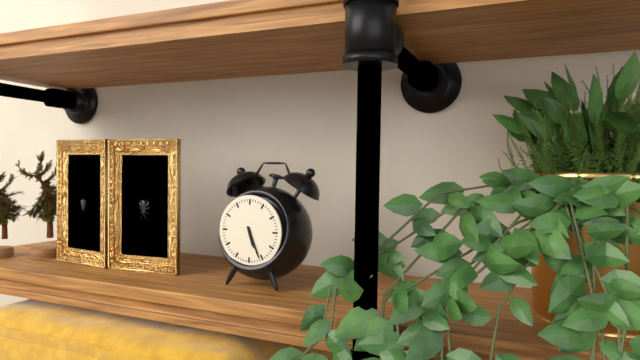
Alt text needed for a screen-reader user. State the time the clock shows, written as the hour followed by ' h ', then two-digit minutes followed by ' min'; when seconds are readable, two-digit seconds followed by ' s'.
5 h 26 min
